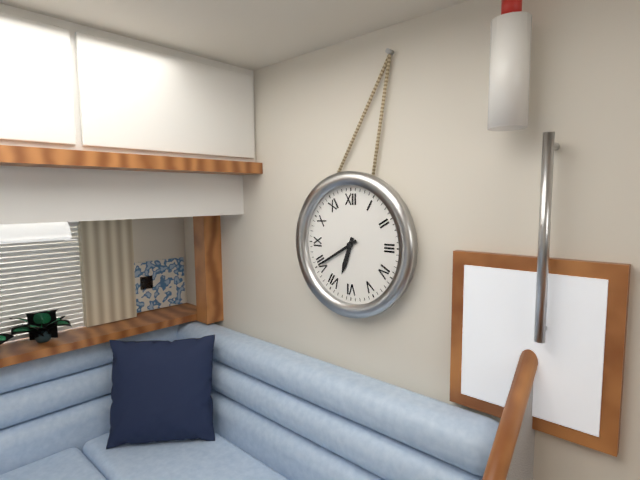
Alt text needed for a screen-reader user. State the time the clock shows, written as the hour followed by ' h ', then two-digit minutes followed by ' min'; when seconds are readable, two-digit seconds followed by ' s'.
6 h 40 min
